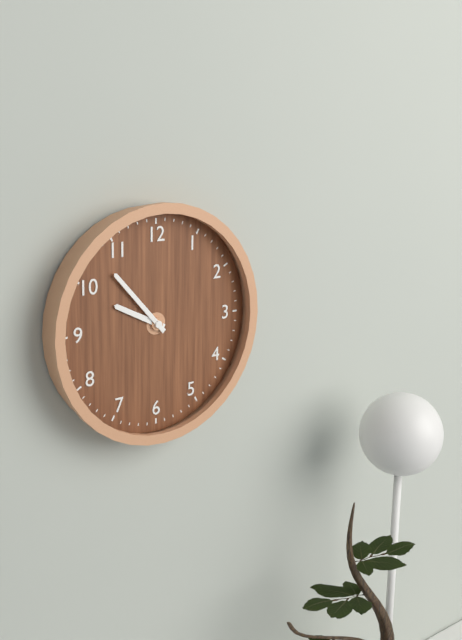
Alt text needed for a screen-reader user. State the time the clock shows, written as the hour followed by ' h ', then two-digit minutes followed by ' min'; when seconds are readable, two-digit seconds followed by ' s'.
9 h 53 min
